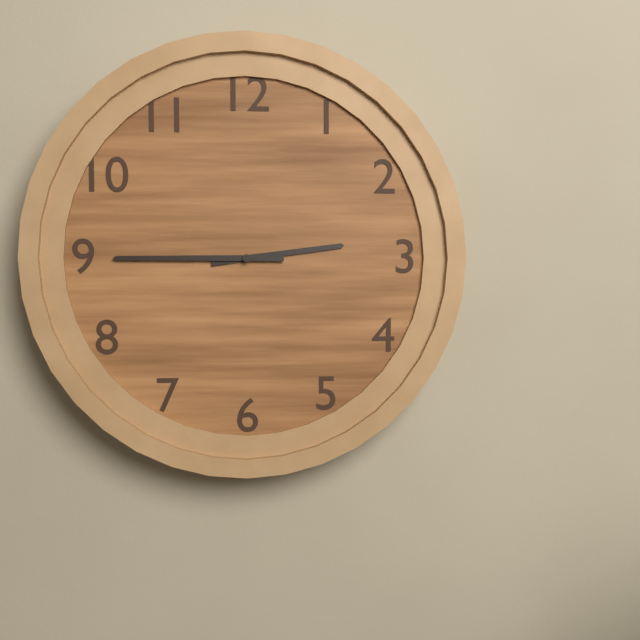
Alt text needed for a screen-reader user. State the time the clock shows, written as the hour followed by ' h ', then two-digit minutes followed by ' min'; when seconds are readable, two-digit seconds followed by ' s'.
2 h 45 min
